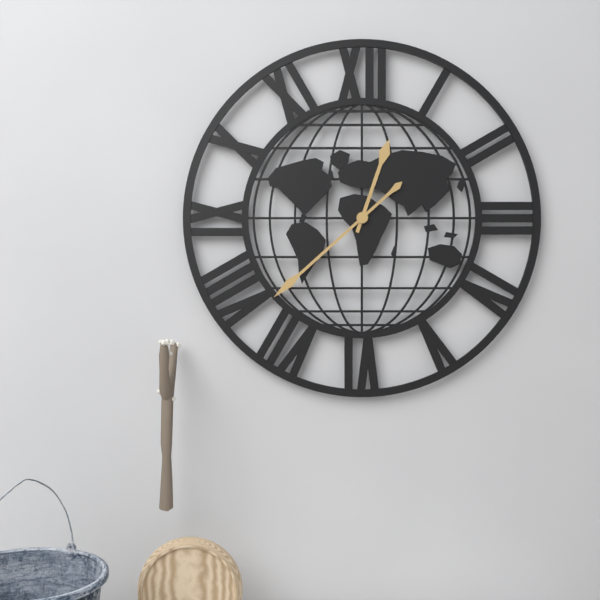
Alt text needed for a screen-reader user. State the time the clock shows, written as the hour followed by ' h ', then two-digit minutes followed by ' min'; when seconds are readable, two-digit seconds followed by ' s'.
12 h 38 min
